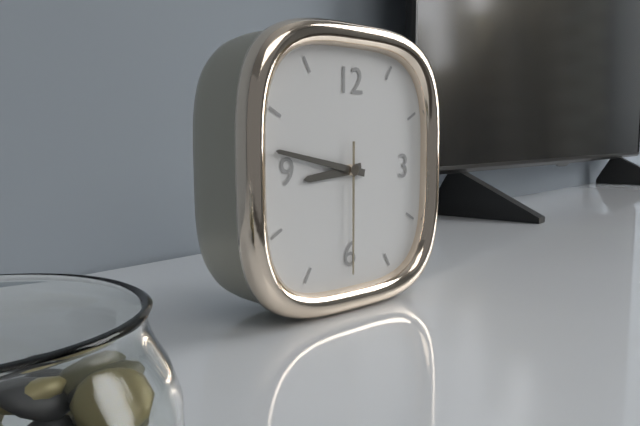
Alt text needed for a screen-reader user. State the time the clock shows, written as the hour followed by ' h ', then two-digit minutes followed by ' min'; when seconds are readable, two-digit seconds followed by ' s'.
8 h 47 min 30 s
